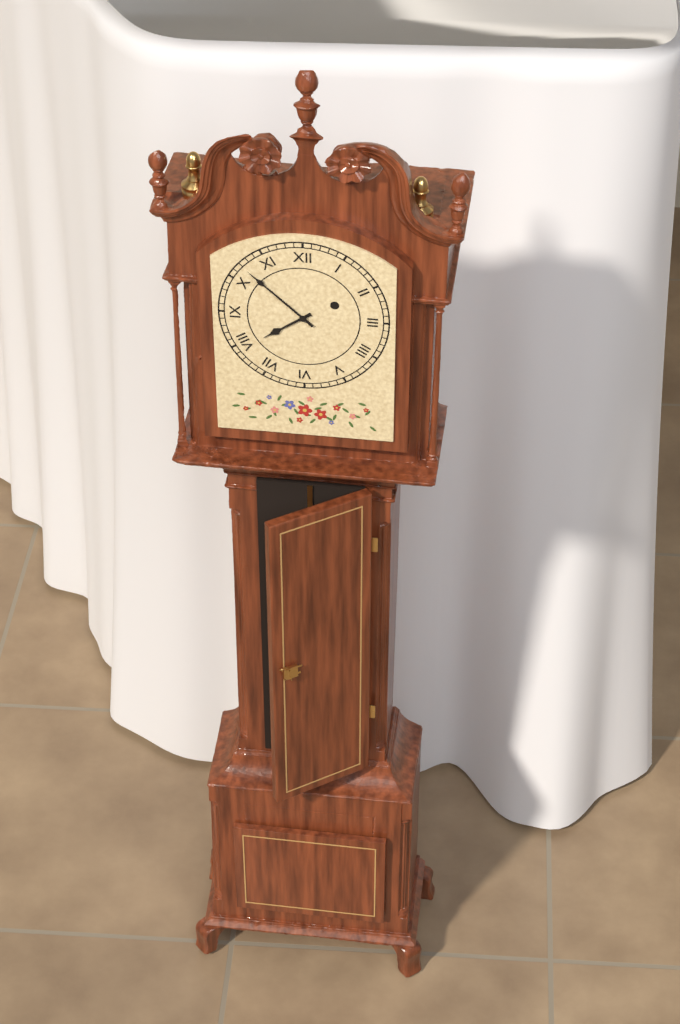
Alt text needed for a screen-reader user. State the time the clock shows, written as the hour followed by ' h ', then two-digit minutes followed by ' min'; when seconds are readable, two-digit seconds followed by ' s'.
7 h 52 min
